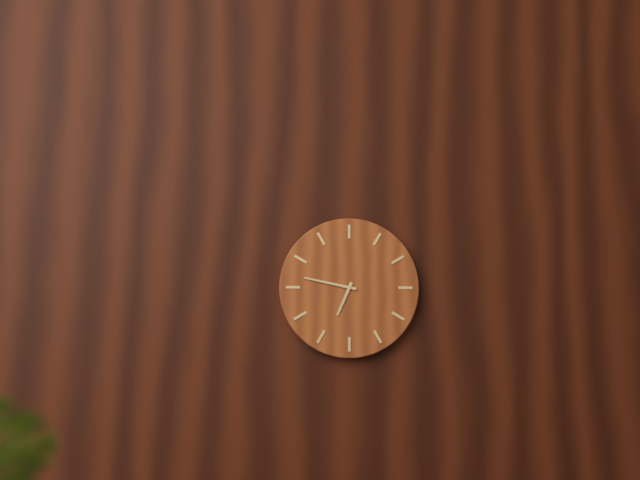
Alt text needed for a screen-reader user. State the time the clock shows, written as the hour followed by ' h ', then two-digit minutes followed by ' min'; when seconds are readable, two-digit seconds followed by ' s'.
6 h 47 min
